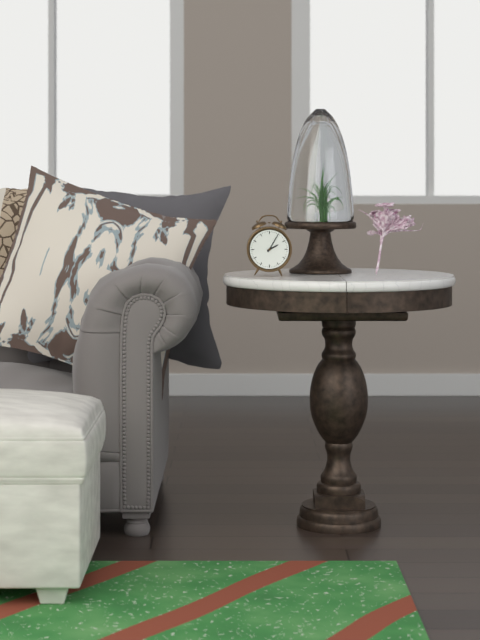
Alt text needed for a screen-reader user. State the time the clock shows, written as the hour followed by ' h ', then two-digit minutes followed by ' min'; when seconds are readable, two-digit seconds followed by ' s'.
2 h 05 min
